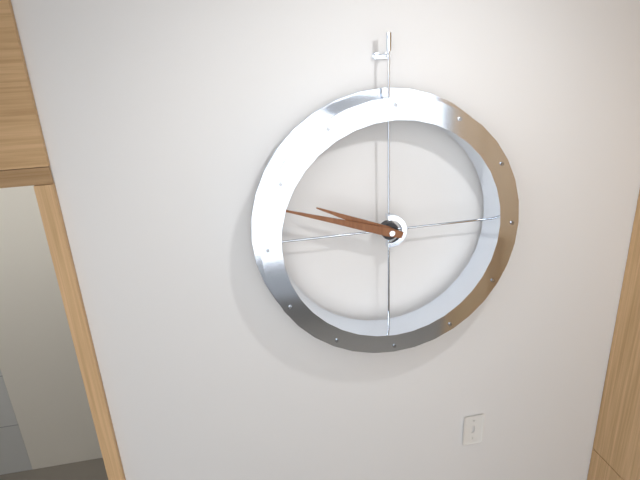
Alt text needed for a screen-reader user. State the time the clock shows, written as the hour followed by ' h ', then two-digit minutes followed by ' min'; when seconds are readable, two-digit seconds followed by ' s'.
9 h 48 min
